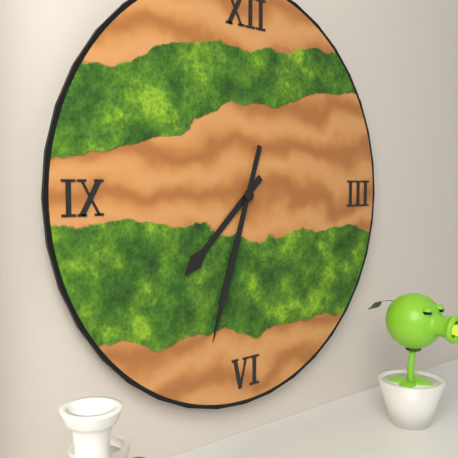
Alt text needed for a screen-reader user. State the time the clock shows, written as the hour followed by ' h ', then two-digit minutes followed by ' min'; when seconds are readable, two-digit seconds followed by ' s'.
7 h 33 min
